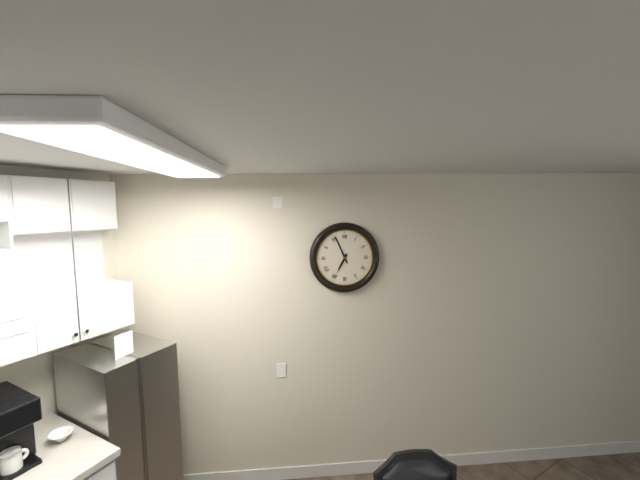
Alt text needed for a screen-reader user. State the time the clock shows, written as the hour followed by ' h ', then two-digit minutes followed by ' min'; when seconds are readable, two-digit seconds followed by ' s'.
6 h 56 min
